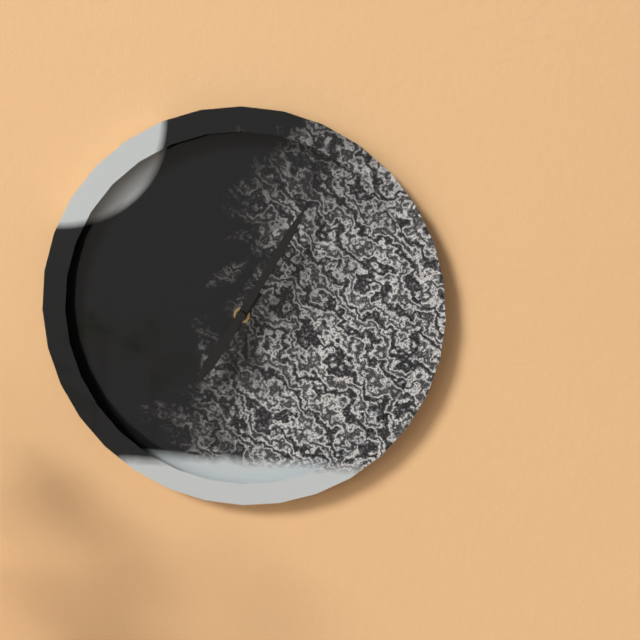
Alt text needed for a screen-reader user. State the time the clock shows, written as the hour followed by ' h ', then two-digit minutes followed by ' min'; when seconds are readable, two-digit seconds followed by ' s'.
7 h 05 min
